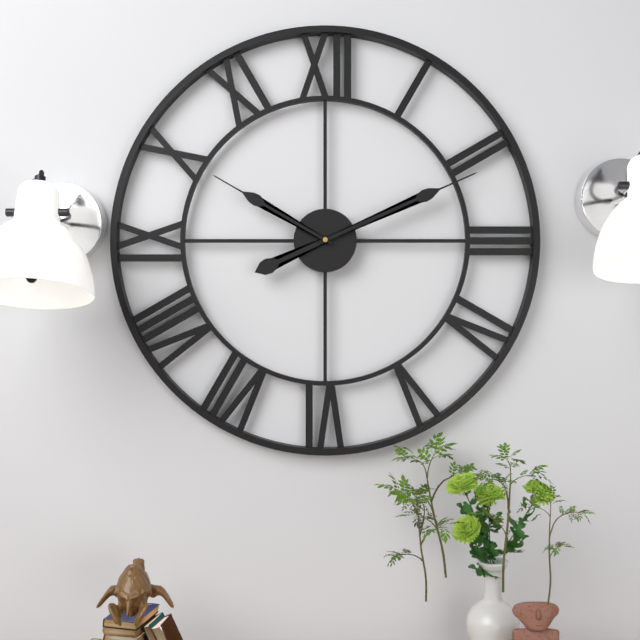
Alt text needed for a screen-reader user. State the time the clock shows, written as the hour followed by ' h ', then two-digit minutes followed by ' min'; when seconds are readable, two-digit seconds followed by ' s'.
8 h 11 min 50 s
